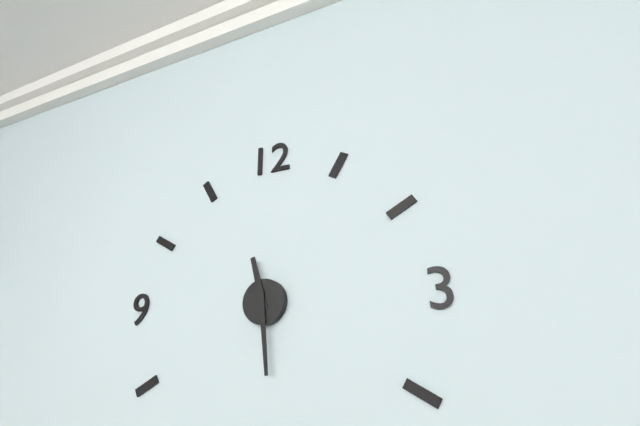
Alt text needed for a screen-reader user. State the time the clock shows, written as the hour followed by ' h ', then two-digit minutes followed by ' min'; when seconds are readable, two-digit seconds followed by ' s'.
11 h 29 min
